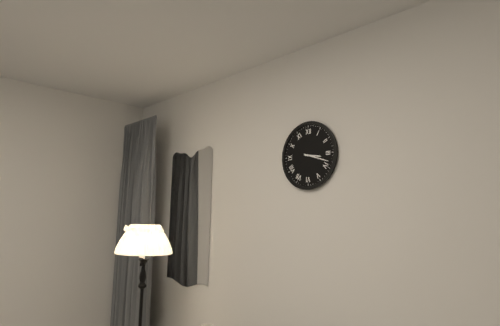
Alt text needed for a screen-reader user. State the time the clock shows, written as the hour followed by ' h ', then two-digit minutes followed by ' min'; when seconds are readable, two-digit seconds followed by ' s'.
3 h 18 min
